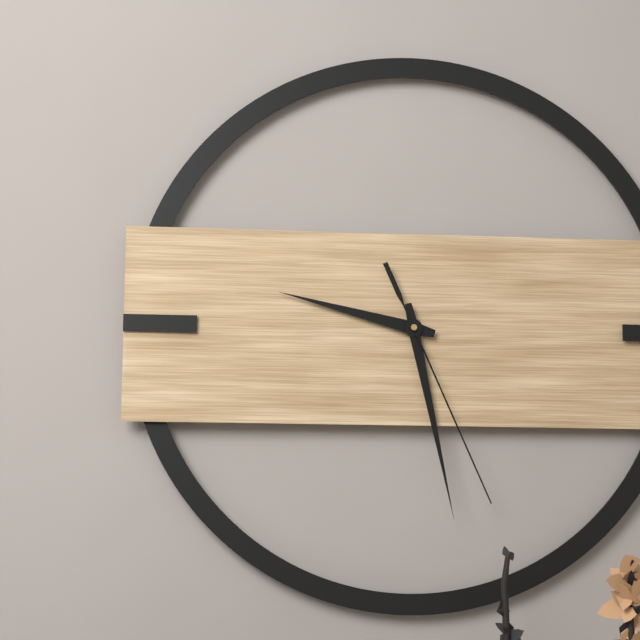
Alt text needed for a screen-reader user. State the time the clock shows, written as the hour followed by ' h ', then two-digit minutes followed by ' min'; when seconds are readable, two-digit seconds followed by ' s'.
9 h 28 min 26 s
